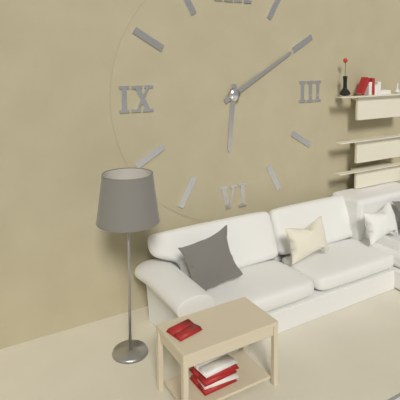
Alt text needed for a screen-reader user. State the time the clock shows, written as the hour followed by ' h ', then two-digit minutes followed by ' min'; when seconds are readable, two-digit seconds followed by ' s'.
6 h 10 min
